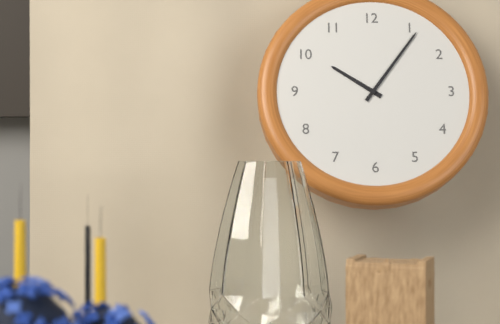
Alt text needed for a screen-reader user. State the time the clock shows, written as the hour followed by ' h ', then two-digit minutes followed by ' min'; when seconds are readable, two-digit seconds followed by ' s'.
10 h 06 min
